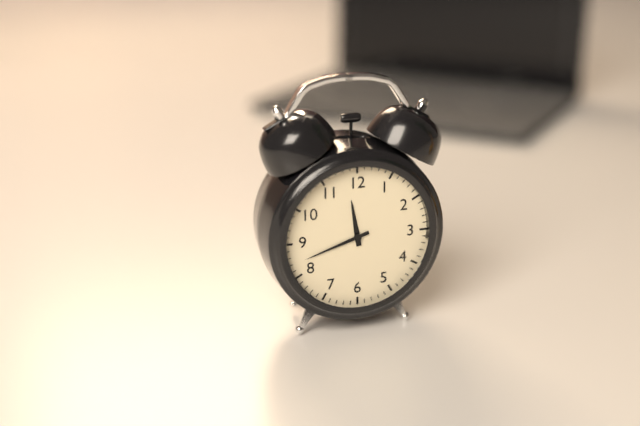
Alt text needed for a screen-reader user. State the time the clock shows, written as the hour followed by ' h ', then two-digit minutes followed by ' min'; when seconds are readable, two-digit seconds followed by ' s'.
11 h 42 min
